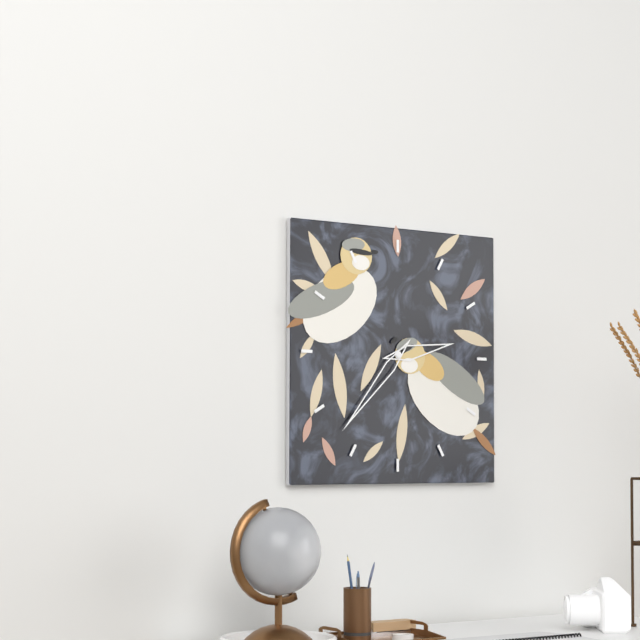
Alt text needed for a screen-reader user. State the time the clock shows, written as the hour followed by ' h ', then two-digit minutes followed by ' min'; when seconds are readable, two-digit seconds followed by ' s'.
2 h 37 min
